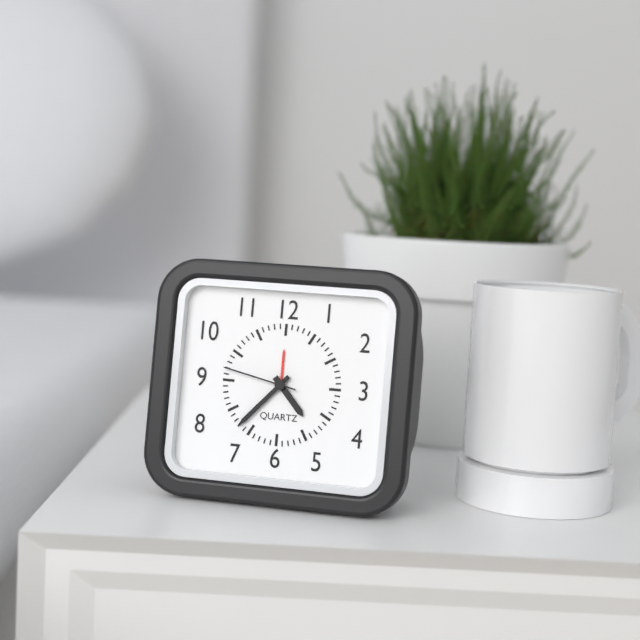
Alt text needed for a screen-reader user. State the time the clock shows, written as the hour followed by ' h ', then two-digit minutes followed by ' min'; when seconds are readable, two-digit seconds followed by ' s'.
4 h 37 min 47 s
